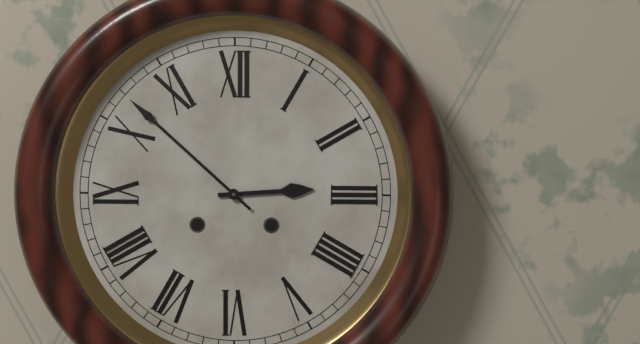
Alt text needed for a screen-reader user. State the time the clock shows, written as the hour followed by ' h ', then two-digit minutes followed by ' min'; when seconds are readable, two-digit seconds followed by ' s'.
2 h 52 min
